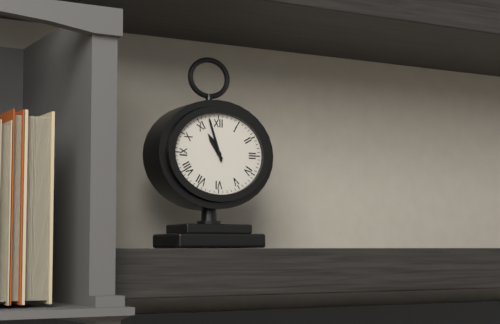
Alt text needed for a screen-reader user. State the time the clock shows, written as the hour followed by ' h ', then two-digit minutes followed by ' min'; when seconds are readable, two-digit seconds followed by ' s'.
10 h 57 min
